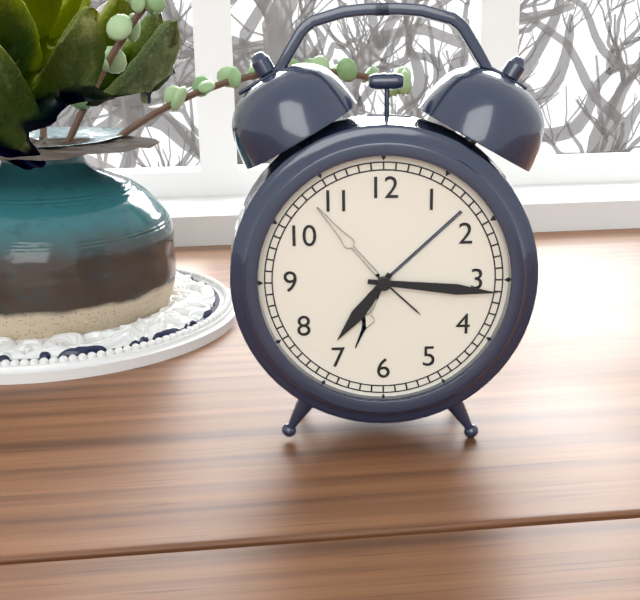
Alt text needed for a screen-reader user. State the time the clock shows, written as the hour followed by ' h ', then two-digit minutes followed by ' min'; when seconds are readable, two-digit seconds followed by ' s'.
7 h 16 min
